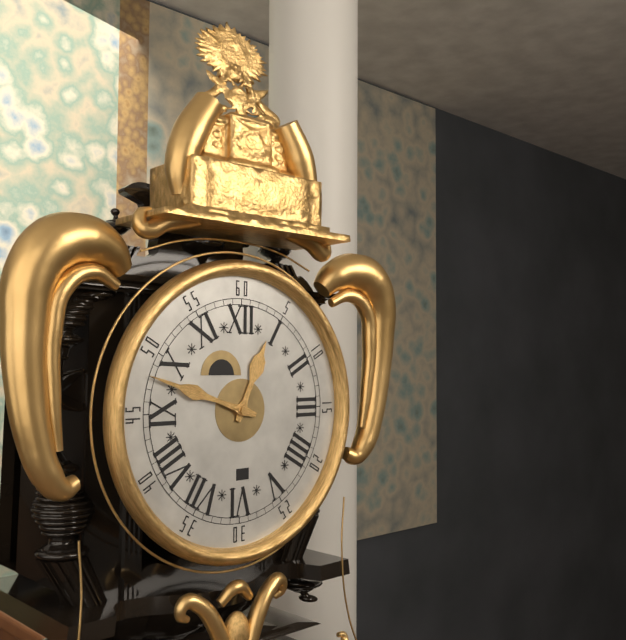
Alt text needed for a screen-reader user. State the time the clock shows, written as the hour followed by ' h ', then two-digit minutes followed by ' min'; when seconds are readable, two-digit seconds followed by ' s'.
12 h 48 min
